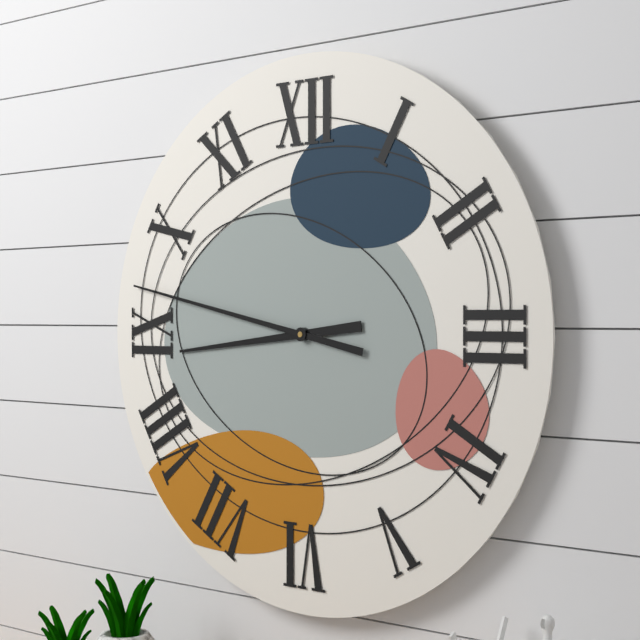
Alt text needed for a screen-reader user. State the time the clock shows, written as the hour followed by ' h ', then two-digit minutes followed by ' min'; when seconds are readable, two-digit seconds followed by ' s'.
8 h 47 min
